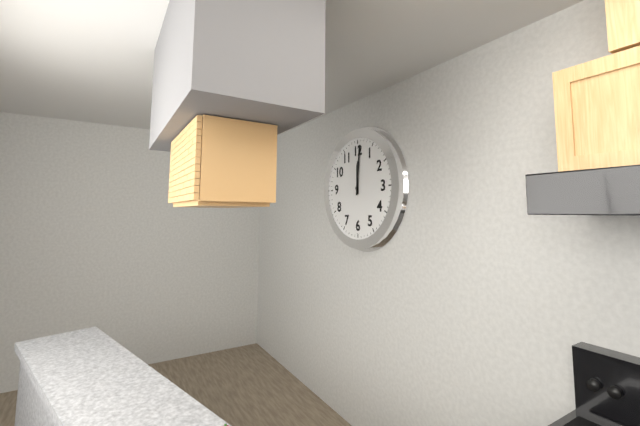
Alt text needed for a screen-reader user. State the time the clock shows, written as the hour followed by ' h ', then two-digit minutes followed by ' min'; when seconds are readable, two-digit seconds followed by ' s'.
12 h 01 min
